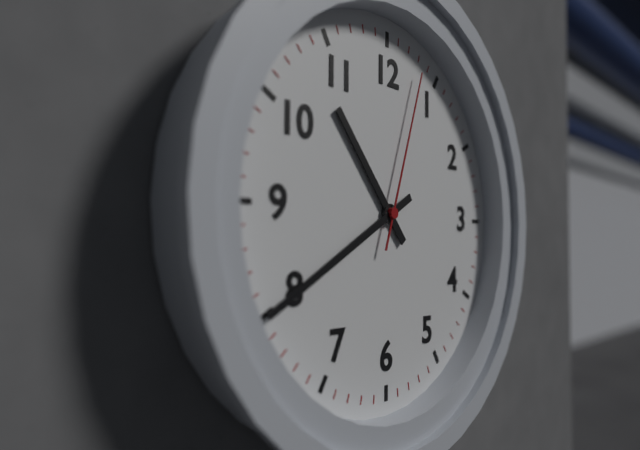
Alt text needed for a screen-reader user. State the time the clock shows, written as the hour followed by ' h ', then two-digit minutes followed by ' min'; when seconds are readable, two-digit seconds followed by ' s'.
10 h 40 min 03 s
